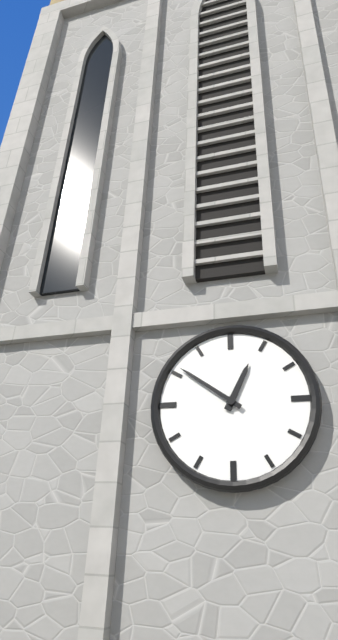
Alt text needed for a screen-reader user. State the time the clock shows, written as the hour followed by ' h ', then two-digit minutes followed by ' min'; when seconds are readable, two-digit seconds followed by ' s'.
12 h 51 min
